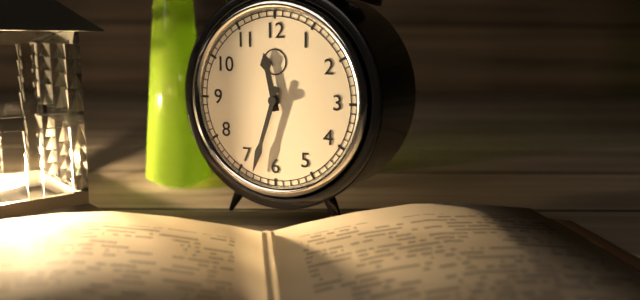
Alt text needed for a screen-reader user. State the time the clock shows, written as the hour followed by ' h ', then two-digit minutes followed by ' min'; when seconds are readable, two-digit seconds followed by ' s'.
11 h 33 min
